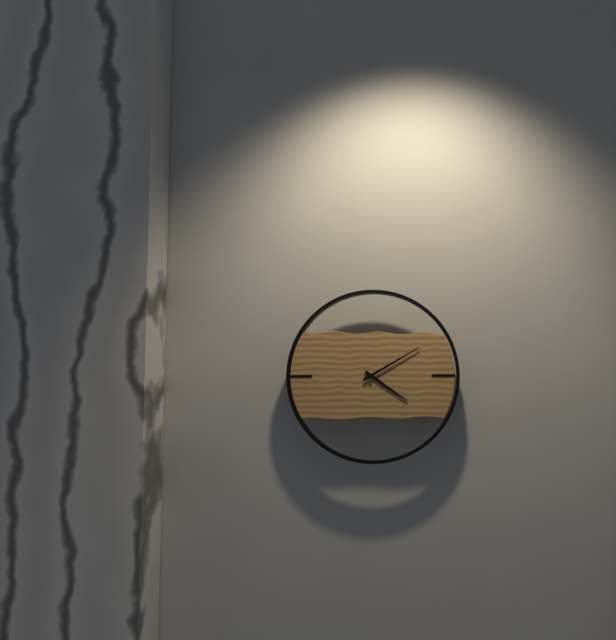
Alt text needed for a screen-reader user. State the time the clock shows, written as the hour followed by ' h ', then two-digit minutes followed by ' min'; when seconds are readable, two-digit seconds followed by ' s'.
4 h 10 min
